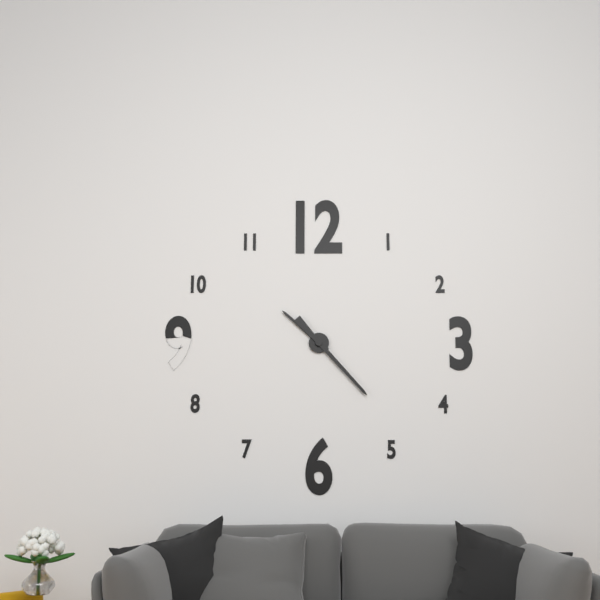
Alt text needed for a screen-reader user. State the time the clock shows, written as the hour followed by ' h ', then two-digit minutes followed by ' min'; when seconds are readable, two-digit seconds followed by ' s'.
10 h 23 min
